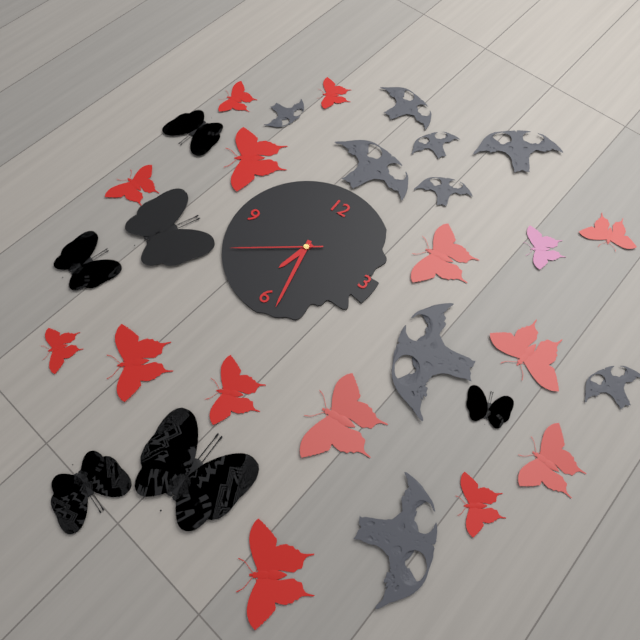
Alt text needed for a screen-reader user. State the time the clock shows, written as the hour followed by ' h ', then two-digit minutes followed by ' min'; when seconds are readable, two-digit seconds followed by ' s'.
6 h 28 min 39 s
